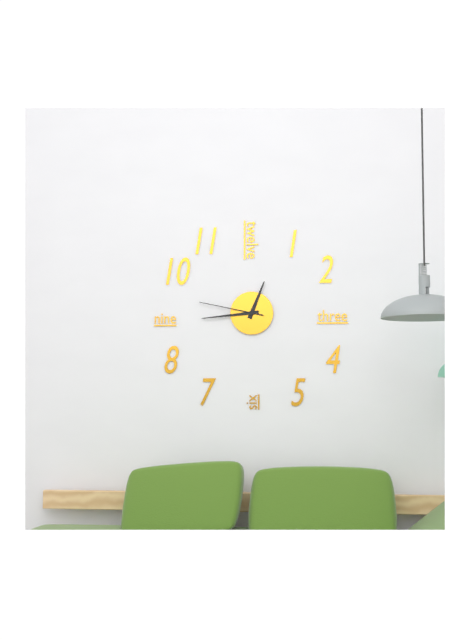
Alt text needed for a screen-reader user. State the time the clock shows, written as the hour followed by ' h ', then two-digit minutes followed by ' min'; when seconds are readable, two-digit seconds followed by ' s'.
12 h 44 min 47 s
